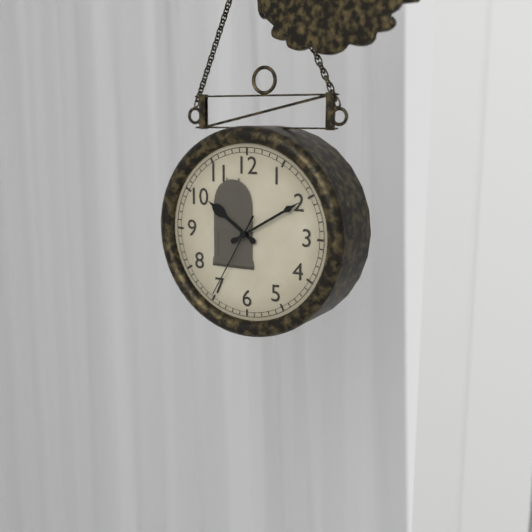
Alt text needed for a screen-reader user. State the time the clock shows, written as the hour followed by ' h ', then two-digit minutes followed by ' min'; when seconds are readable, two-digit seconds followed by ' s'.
10 h 10 min 35 s
